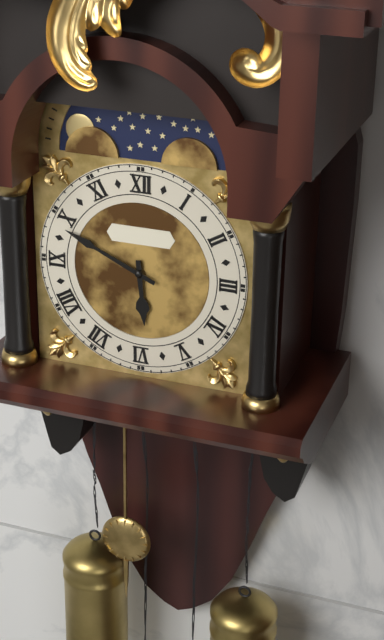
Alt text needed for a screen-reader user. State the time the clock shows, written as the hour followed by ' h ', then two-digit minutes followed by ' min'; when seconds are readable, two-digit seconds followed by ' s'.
5 h 49 min
